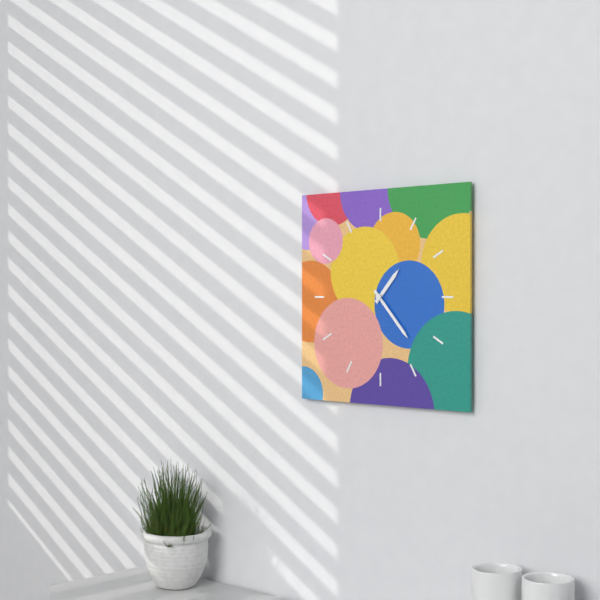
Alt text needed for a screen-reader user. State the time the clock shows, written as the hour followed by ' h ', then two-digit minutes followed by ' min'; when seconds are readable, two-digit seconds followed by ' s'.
1 h 23 min
